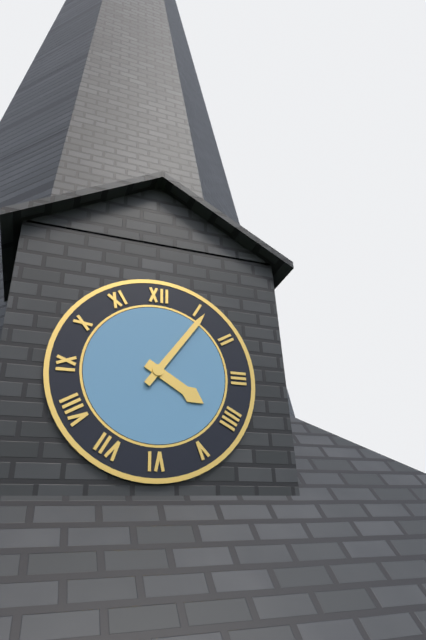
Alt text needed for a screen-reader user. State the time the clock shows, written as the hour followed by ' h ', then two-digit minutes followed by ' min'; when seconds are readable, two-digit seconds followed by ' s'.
4 h 06 min
